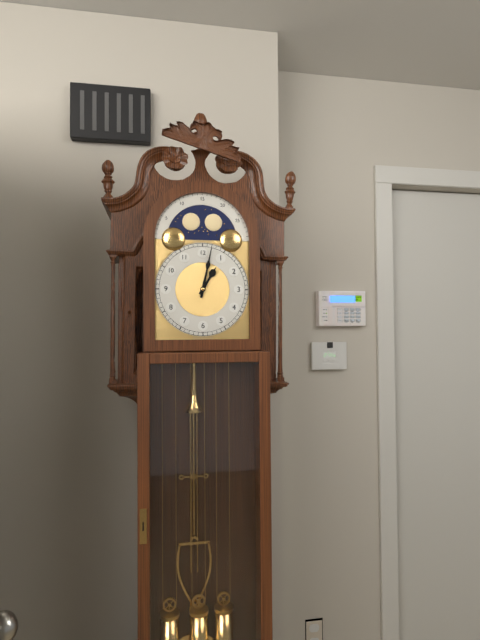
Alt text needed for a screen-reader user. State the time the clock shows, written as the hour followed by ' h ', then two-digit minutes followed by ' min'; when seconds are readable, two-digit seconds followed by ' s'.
1 h 02 min
